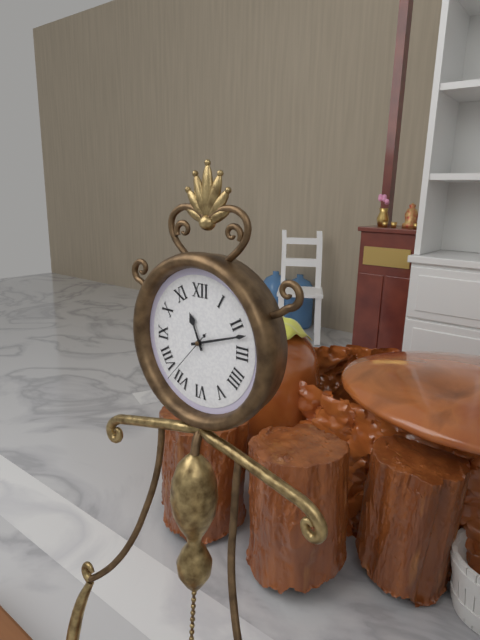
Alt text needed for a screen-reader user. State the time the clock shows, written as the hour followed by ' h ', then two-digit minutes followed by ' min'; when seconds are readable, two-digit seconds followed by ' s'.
11 h 12 min 37 s
